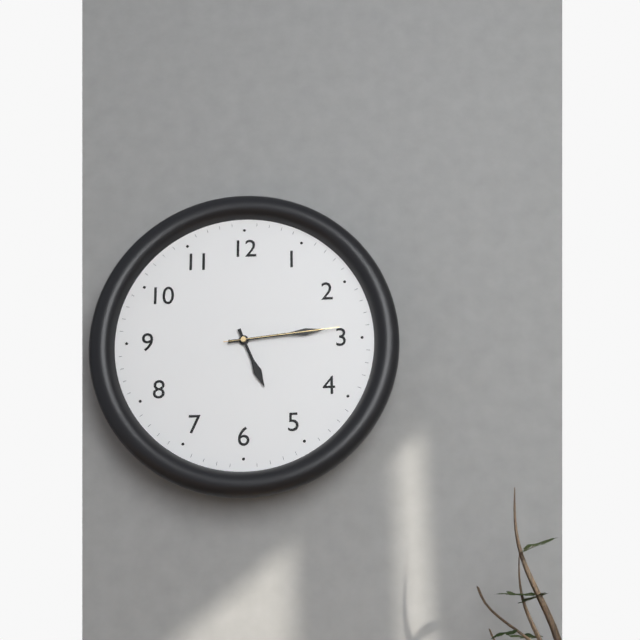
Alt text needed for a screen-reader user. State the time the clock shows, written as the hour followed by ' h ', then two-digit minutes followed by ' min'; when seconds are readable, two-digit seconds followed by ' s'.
5 h 14 min 14 s
